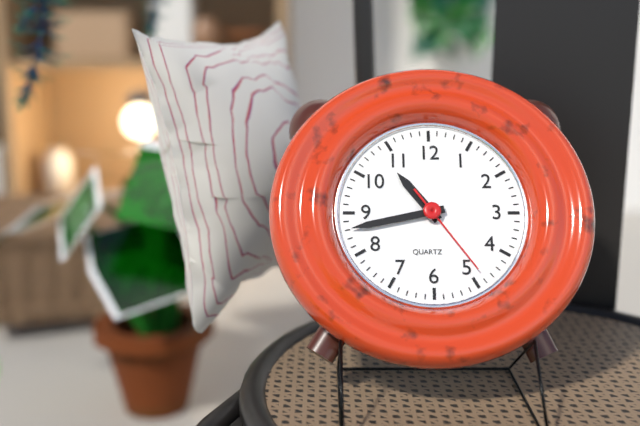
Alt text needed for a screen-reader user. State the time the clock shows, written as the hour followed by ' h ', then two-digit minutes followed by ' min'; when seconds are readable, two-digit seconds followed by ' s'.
10 h 43 min 24 s
